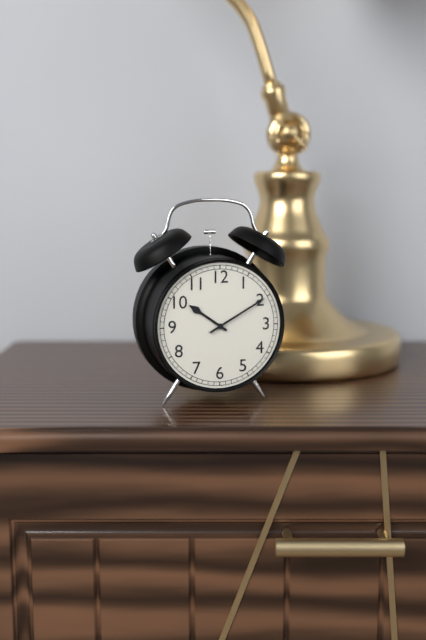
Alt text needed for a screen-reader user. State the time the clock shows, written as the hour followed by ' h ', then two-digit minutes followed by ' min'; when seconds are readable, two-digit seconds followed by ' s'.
10 h 10 min
